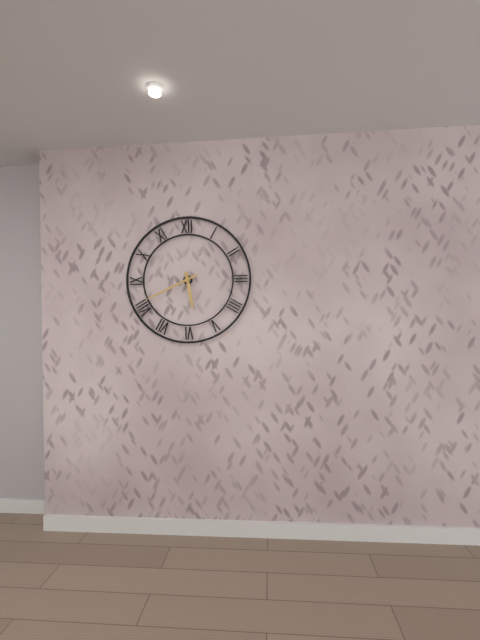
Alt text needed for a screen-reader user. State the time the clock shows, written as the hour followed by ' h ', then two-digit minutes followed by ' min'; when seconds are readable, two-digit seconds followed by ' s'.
5 h 41 min
